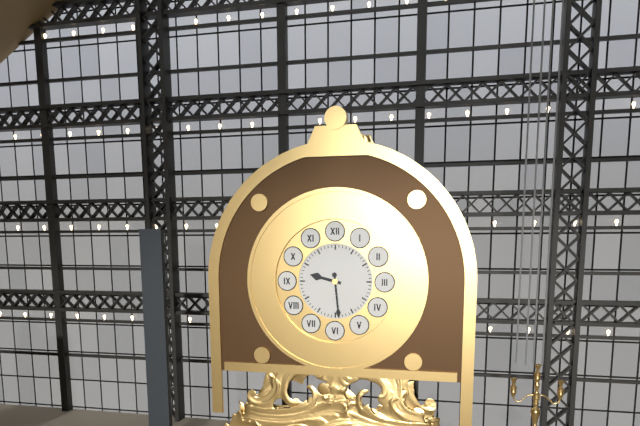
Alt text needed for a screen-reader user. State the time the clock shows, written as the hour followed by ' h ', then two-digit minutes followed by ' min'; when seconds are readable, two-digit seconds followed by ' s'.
9 h 29 min
